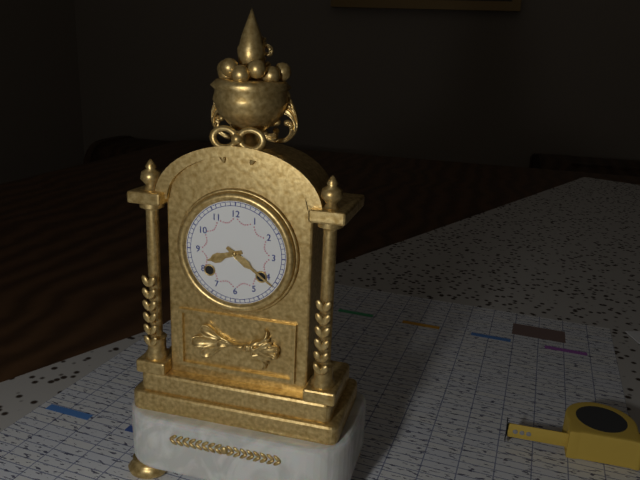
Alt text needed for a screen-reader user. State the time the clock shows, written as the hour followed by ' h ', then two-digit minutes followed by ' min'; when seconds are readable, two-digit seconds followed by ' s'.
8 h 21 min
